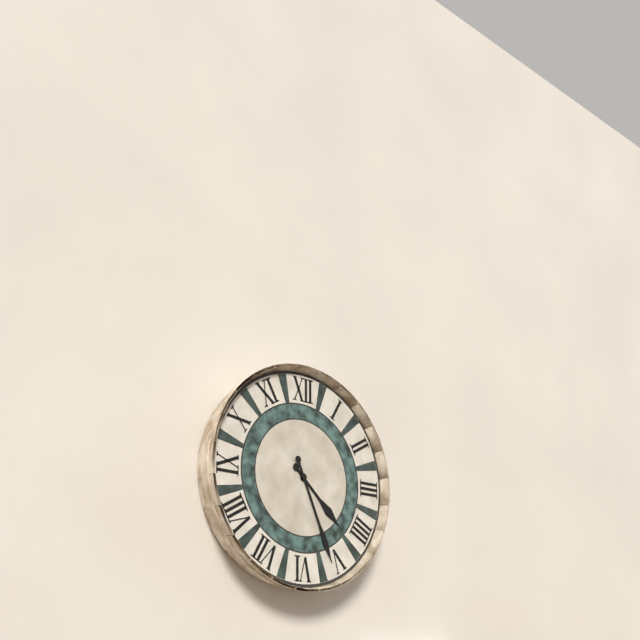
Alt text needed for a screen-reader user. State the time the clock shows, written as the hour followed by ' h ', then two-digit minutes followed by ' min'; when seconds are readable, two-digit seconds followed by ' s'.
4 h 26 min
